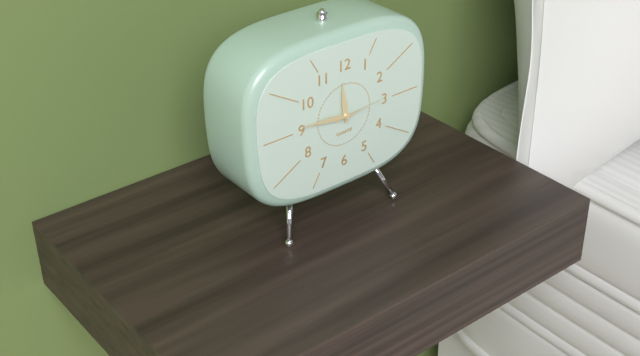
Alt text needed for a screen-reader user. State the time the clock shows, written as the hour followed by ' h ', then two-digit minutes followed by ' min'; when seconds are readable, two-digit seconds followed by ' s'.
11 h 46 min 14 s
